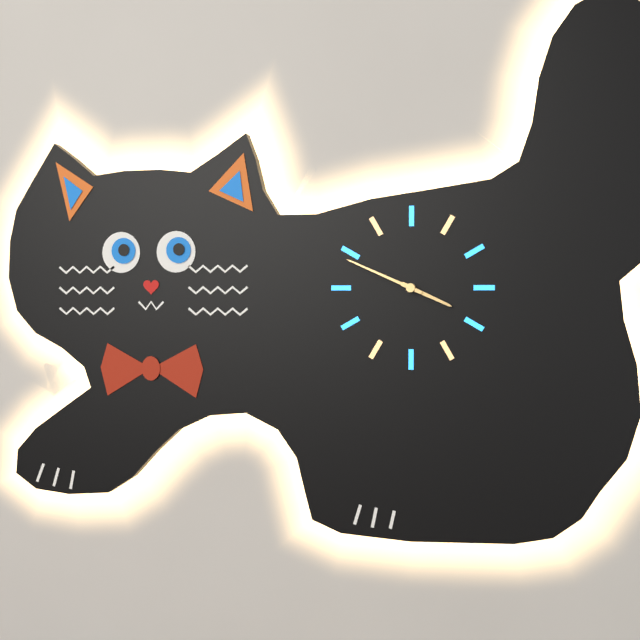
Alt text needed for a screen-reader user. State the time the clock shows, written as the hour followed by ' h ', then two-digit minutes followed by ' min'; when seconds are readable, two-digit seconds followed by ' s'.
3 h 49 min
